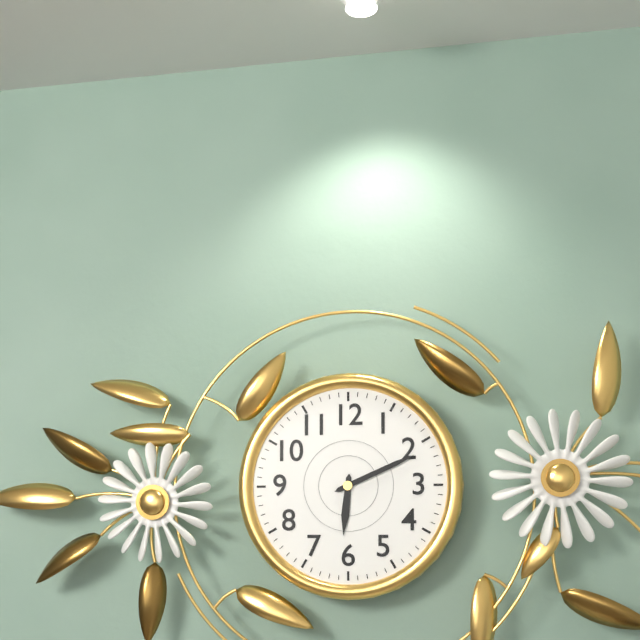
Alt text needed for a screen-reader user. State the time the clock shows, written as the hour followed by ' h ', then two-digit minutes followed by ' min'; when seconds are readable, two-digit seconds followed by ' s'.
6 h 11 min
